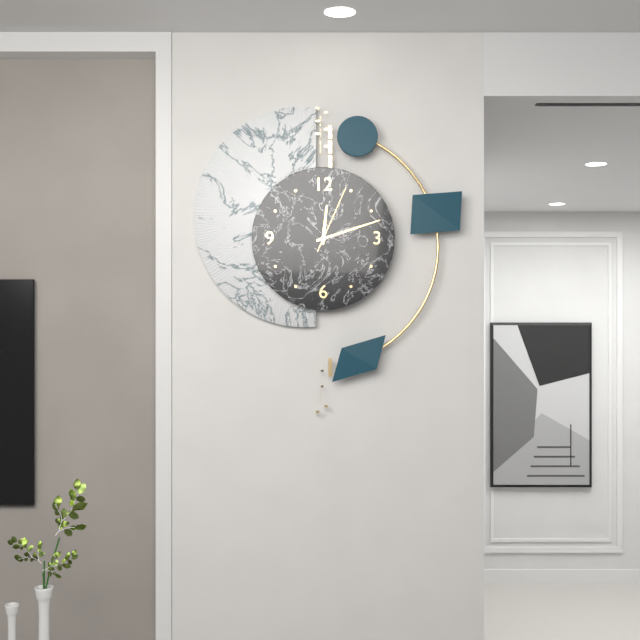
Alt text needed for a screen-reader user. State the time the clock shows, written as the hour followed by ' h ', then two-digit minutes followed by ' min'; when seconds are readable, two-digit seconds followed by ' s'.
12 h 12 min 04 s
